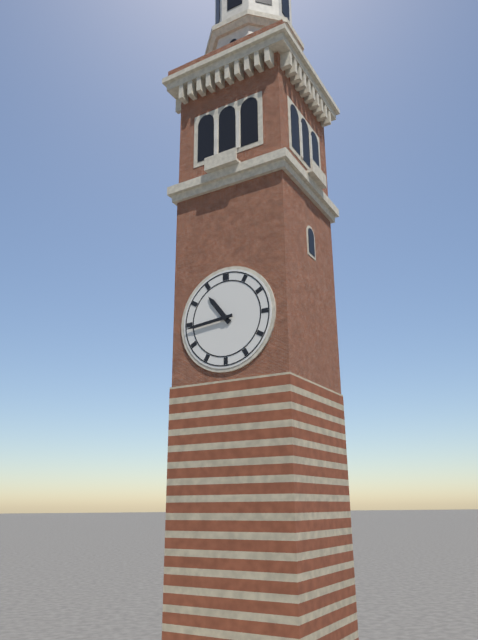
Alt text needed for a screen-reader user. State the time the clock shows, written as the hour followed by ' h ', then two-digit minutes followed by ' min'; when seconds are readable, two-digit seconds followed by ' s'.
10 h 44 min
